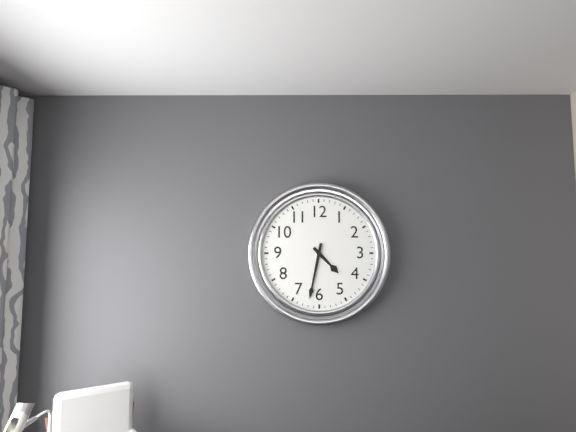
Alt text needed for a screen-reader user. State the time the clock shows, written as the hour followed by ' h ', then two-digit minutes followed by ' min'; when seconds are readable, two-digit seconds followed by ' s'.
4 h 32 min
